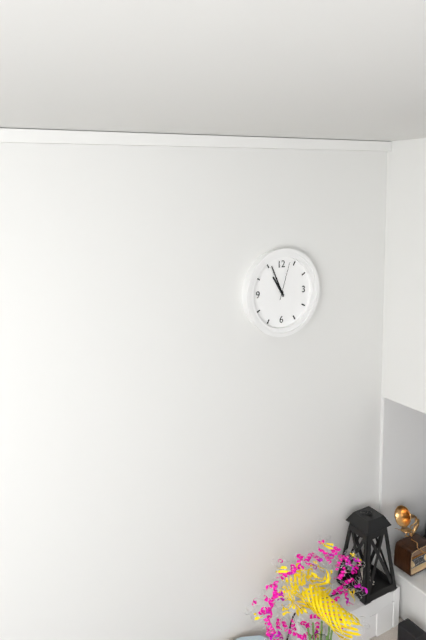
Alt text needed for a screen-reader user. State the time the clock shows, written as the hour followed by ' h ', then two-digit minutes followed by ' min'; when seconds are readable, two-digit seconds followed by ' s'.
10 h 56 min
